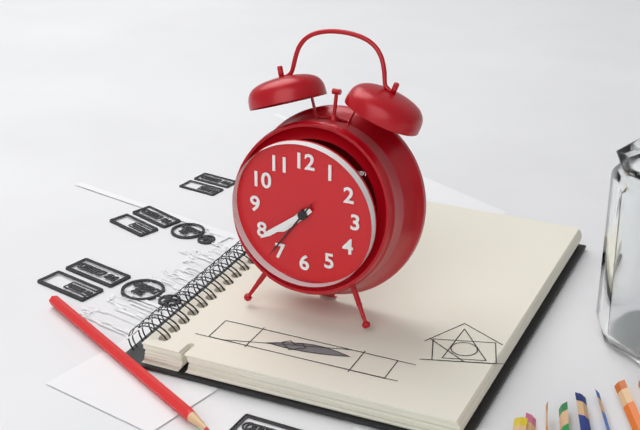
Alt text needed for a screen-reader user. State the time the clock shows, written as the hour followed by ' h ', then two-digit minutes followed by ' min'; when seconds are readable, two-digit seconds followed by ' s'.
7 h 39 min 36 s
